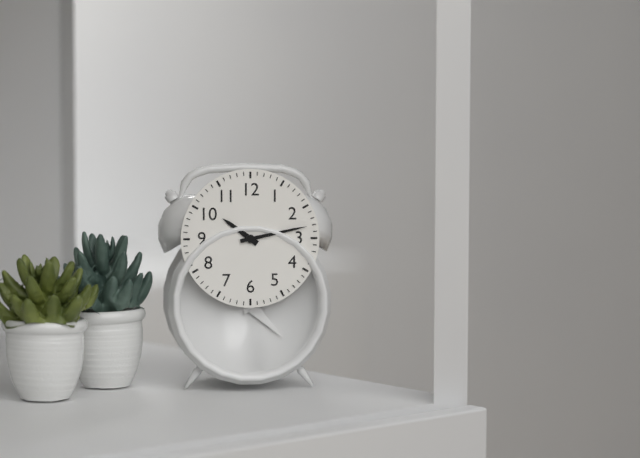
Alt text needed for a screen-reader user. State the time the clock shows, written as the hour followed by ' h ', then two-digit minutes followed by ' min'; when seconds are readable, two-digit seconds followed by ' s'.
10 h 13 min
